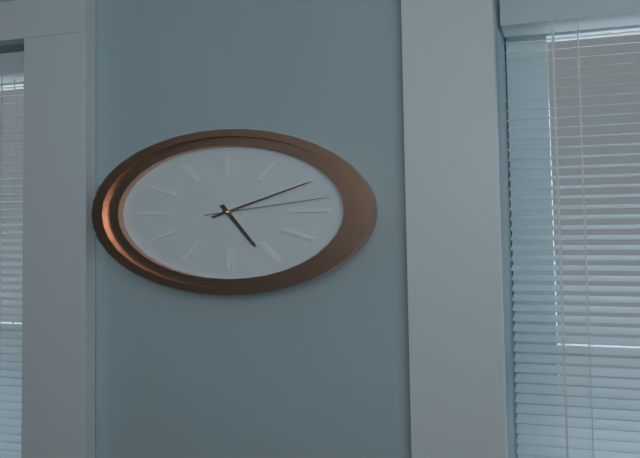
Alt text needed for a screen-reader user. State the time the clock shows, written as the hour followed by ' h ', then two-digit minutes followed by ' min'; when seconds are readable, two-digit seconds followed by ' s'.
5 h 10 min 13 s
